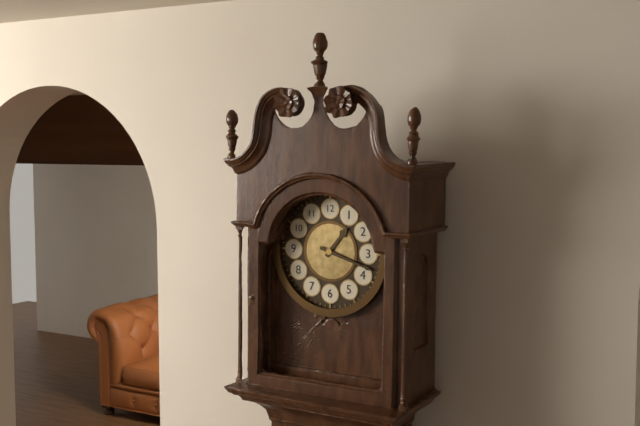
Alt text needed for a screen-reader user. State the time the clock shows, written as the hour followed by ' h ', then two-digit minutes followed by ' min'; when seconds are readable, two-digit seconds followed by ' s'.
1 h 18 min
